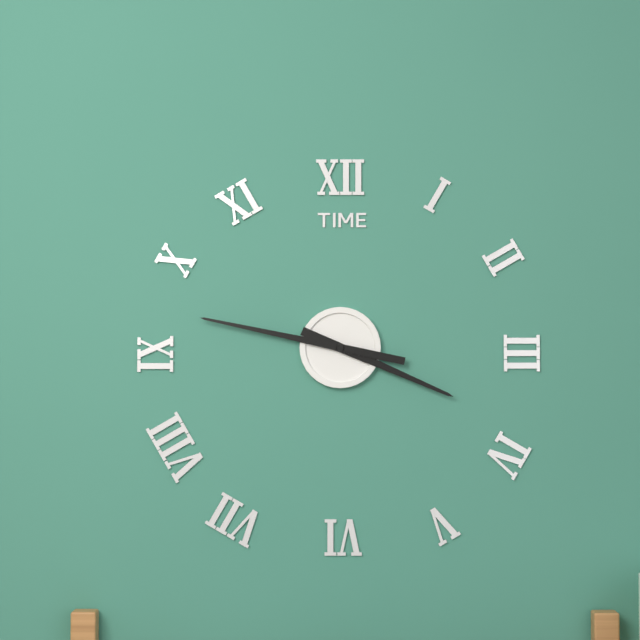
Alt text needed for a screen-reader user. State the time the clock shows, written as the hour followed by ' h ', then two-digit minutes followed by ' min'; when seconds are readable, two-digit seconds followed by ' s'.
3 h 47 min
